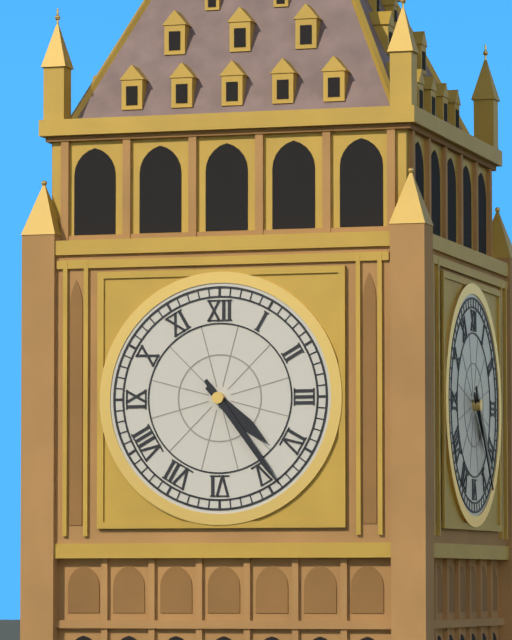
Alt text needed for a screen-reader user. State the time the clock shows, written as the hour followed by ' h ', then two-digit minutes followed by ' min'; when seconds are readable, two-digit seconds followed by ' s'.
4 h 24 min
